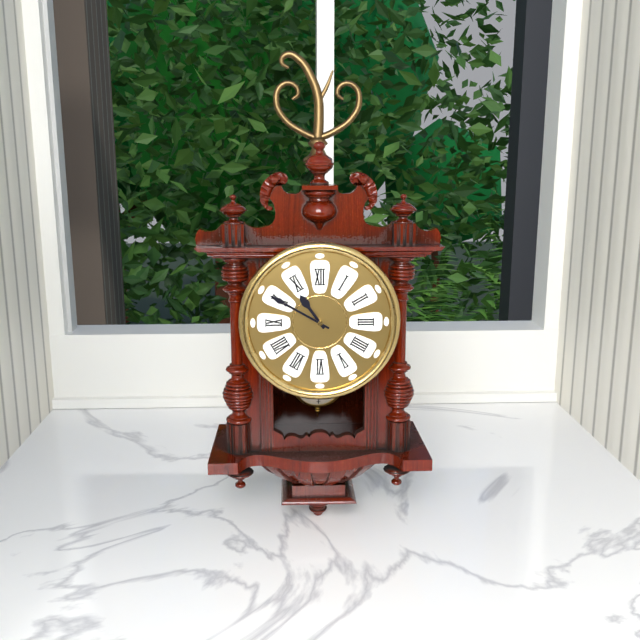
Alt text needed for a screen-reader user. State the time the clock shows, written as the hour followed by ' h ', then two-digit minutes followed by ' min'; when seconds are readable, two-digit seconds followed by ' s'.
10 h 50 min
